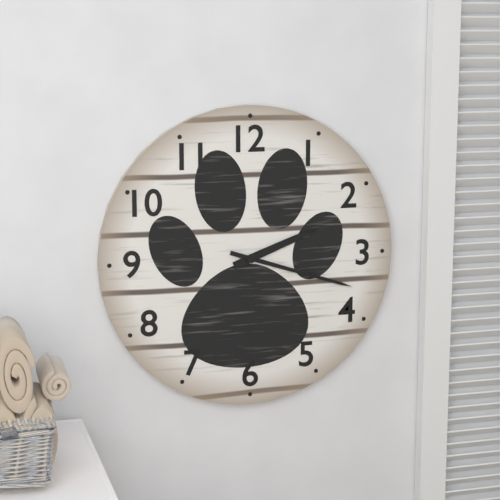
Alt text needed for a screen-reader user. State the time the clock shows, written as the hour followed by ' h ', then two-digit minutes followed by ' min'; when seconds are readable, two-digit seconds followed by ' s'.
2 h 18 min
